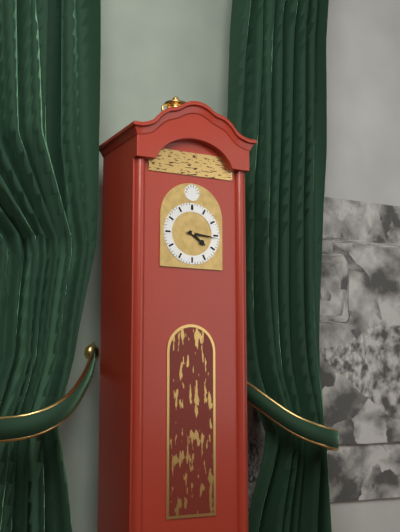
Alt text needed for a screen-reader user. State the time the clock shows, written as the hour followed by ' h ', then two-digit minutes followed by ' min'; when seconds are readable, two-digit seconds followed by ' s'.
4 h 16 min
